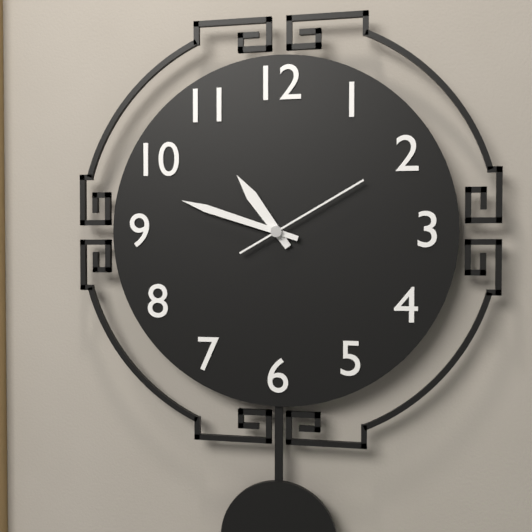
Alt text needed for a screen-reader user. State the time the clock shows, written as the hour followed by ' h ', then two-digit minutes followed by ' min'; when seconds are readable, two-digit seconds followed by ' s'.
10 h 48 min 10 s
